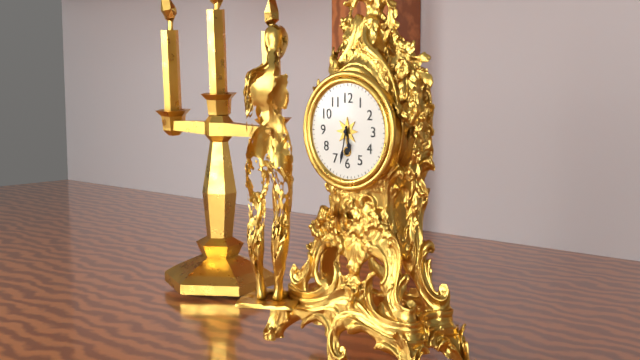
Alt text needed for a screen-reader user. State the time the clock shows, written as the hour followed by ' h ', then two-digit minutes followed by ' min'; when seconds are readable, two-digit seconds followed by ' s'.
5 h 32 min
